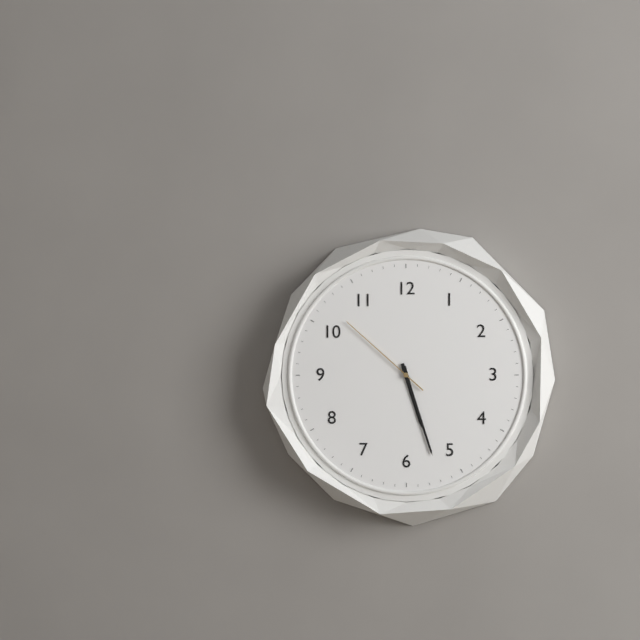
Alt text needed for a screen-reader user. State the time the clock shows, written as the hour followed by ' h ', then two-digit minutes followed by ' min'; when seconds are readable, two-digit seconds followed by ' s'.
5 h 27 min 52 s
